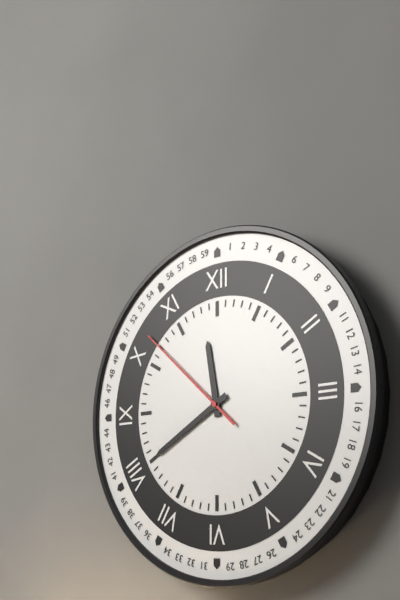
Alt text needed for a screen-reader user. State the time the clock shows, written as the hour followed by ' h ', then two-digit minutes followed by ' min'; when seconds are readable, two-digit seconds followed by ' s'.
11 h 40 min 52 s
